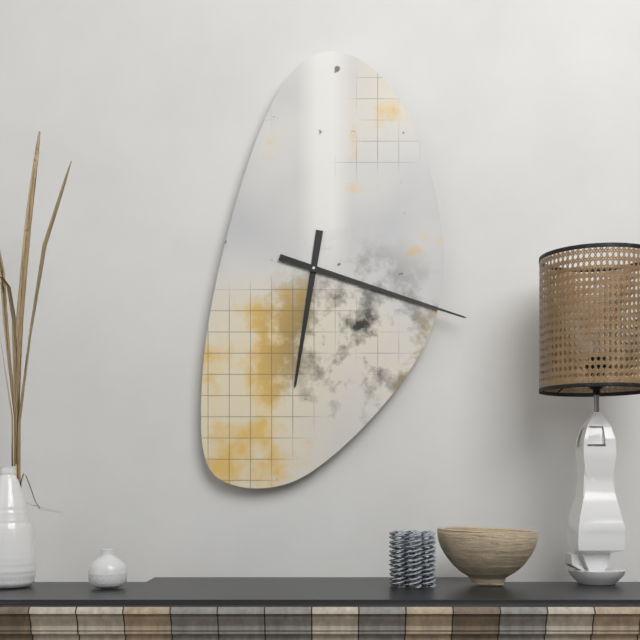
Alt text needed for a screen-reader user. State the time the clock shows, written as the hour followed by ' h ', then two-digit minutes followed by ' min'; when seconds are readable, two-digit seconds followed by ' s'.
6 h 18 min
